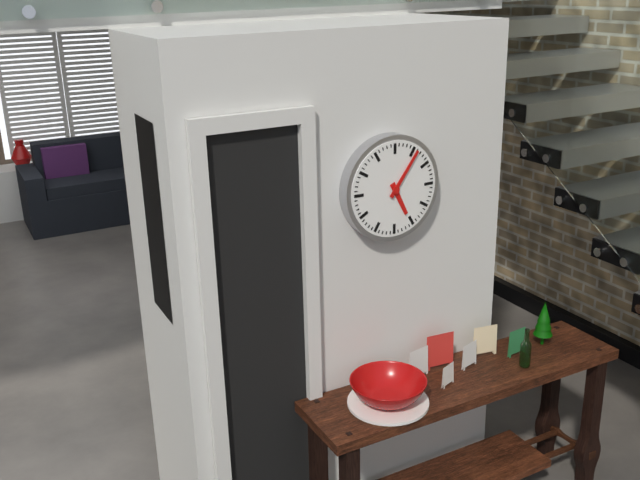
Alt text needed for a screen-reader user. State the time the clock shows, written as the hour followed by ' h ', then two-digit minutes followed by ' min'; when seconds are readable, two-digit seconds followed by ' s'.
5 h 06 min
